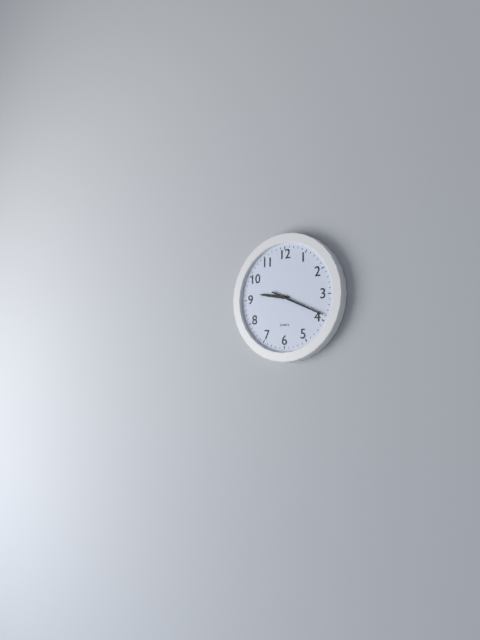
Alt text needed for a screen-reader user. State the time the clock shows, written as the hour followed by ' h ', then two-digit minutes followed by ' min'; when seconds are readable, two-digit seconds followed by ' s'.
9 h 19 min
